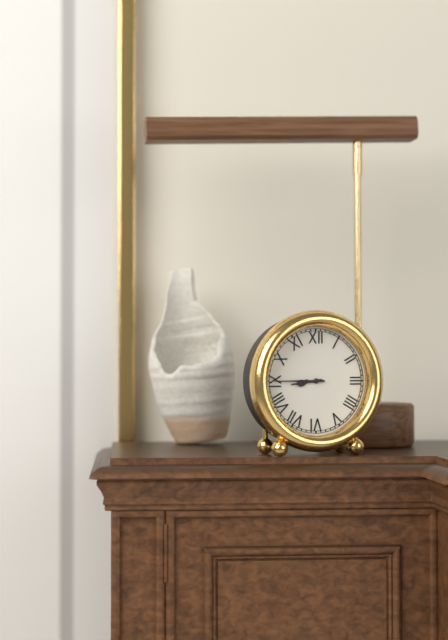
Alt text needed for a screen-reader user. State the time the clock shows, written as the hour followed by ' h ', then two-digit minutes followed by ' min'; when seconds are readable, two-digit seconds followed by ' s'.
8 h 45 min
